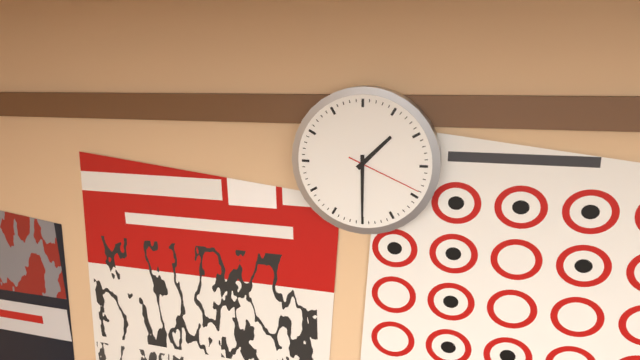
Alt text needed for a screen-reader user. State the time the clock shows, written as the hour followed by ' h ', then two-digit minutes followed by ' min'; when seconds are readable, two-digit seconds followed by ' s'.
1 h 30 min 19 s
